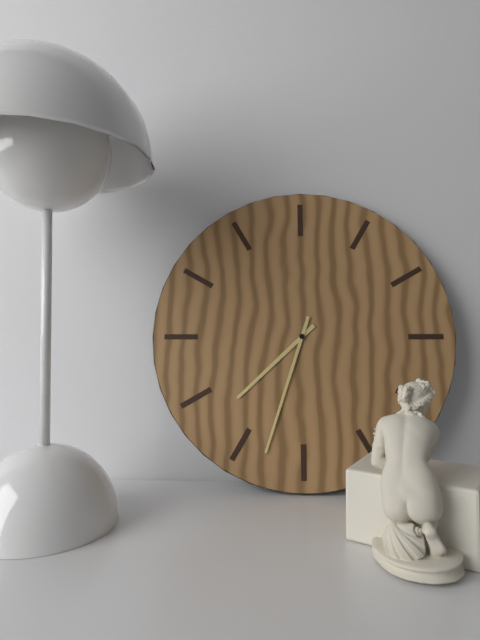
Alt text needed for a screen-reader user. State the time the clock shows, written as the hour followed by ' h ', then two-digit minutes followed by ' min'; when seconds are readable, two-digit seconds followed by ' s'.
7 h 33 min
